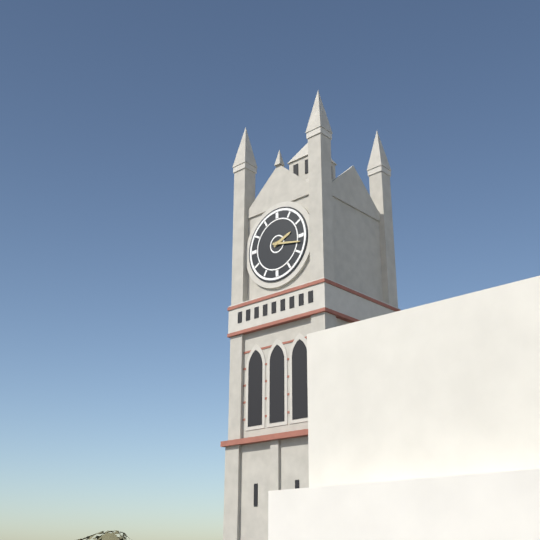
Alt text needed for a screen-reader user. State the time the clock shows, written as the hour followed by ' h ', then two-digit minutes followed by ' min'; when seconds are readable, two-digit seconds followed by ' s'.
2 h 17 min
